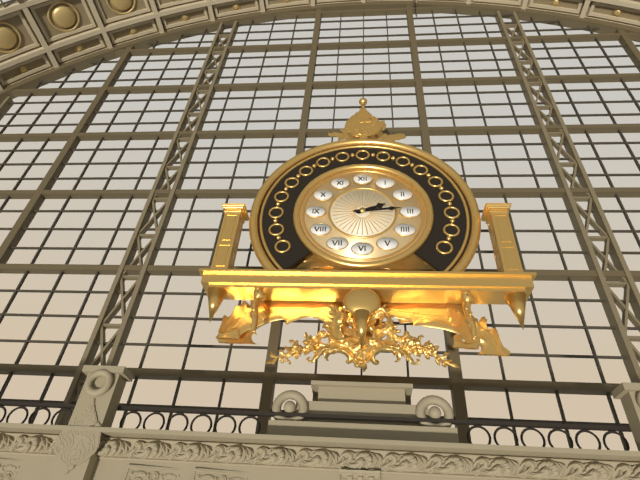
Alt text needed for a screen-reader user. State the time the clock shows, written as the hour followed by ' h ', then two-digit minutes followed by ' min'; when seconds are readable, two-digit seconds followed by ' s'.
2 h 14 min
